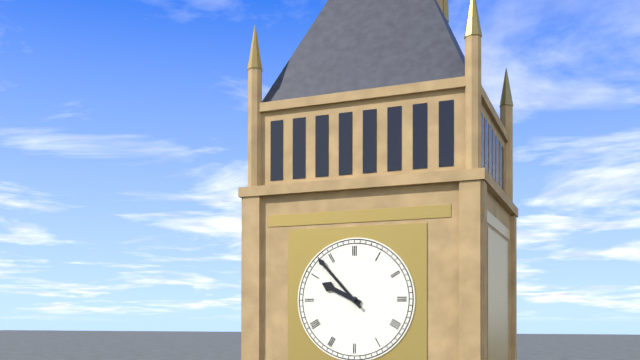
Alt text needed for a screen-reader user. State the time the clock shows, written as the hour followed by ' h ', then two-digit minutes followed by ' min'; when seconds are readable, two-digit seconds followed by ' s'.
9 h 53 min
